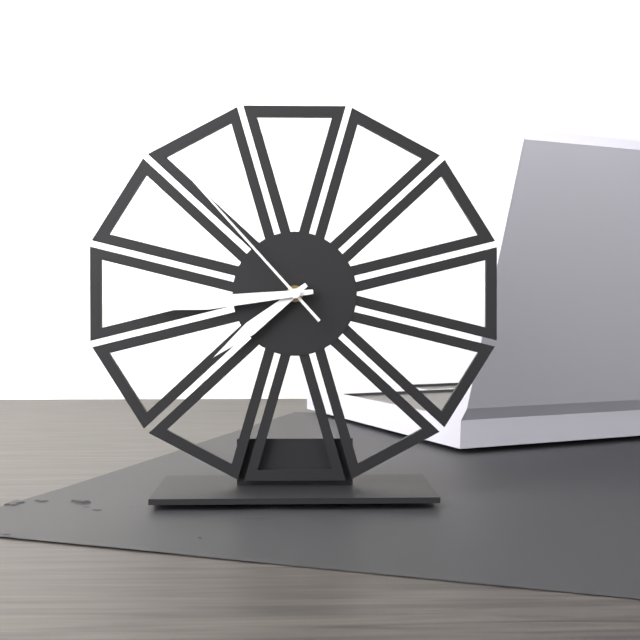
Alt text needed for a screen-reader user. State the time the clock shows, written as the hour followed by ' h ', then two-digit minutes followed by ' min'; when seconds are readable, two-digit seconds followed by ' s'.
7 h 44 min 53 s
